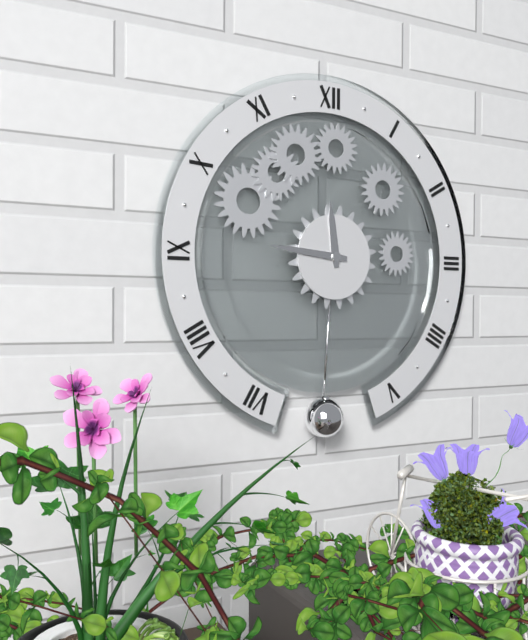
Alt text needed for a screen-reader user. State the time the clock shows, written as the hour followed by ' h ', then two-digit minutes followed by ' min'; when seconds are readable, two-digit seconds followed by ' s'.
11 h 46 min
